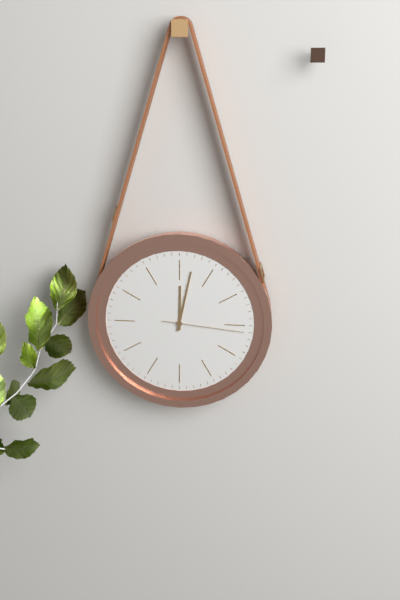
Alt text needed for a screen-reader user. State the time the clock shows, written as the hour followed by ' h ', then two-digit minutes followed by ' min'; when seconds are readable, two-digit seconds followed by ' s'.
12 h 02 min 16 s
